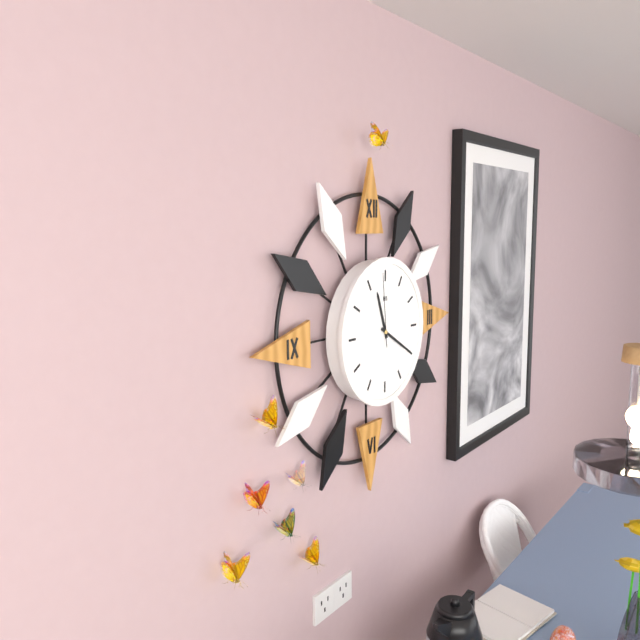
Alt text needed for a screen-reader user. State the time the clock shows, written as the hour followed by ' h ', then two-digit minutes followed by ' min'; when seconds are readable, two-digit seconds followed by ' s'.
11 h 20 min 59 s
